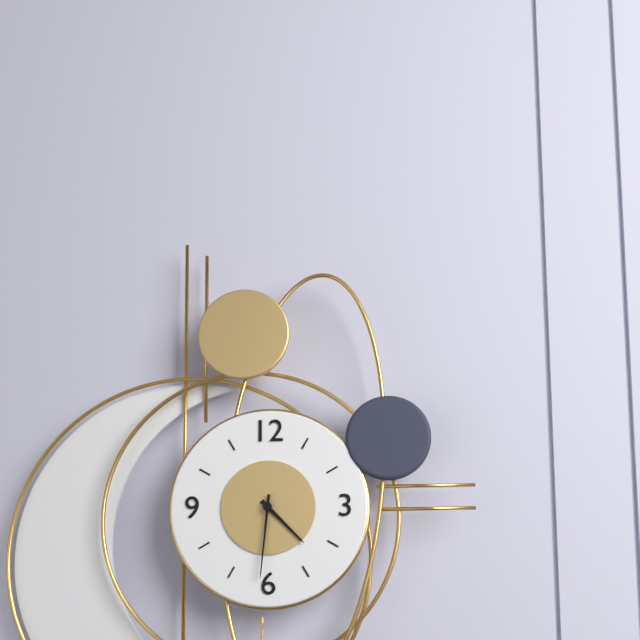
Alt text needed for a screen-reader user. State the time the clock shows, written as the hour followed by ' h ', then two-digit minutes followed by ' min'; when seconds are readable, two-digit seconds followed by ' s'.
4 h 31 min
